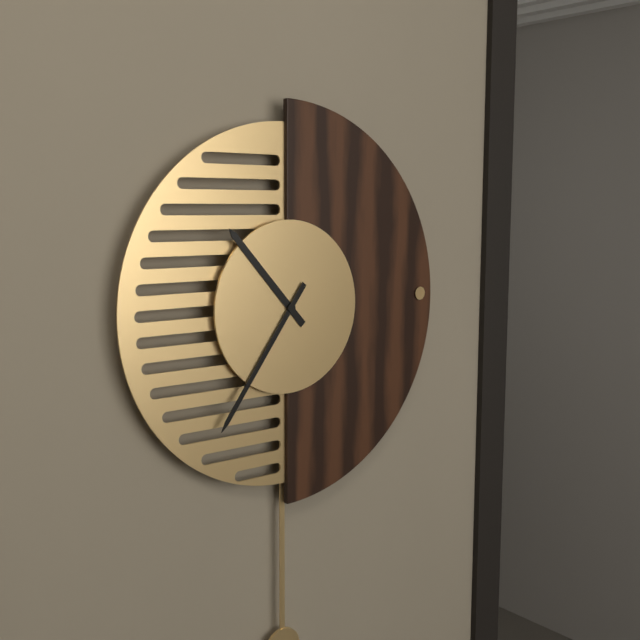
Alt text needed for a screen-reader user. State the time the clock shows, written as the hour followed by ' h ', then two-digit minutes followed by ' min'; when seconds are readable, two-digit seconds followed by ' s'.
10 h 36 min
